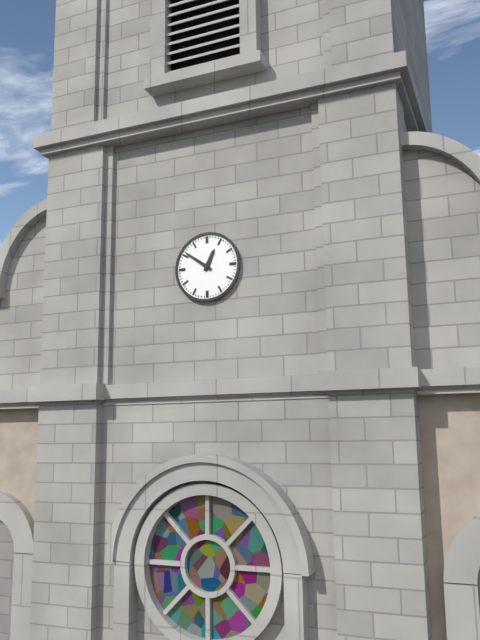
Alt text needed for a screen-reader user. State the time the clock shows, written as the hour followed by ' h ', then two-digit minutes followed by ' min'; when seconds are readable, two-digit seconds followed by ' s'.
12 h 51 min
